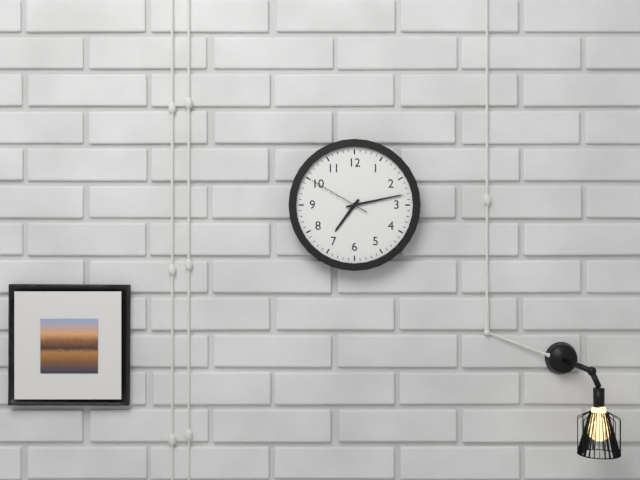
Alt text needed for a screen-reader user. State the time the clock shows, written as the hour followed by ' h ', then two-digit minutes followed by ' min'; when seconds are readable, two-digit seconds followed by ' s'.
7 h 13 min 50 s
